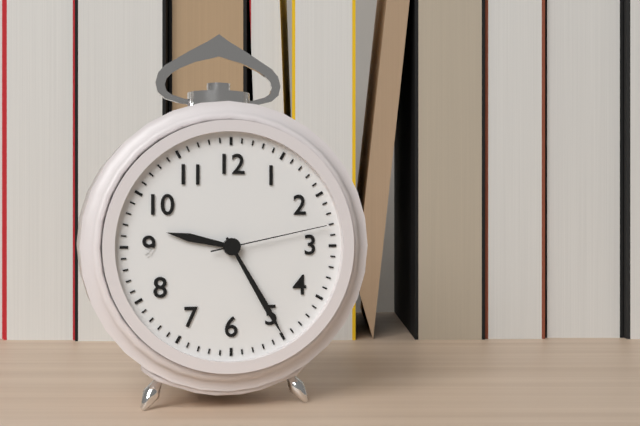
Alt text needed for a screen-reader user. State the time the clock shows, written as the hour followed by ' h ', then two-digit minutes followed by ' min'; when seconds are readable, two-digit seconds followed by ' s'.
9 h 25 min 13 s
